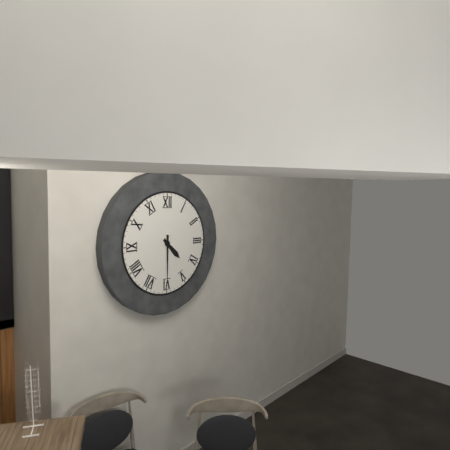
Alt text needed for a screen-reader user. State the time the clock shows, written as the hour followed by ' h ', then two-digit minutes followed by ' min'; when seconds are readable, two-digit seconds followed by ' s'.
4 h 30 min
